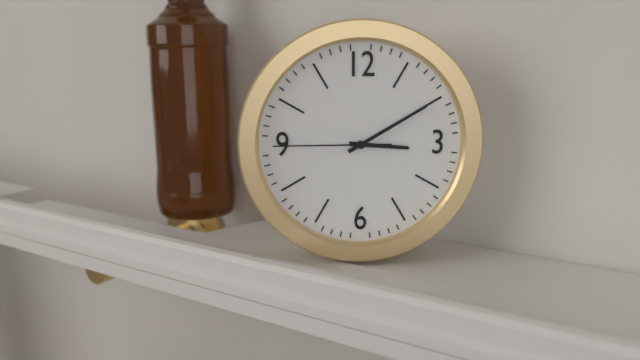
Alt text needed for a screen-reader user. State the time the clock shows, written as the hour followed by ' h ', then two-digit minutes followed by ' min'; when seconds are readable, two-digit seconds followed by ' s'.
3 h 10 min 45 s
